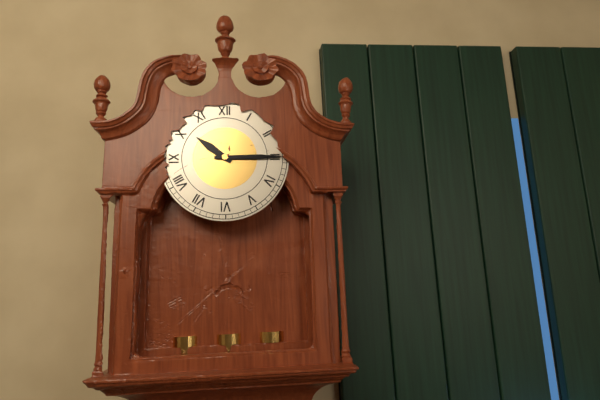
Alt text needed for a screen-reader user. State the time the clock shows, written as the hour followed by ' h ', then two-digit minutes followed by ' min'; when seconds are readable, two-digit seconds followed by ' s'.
10 h 15 min
